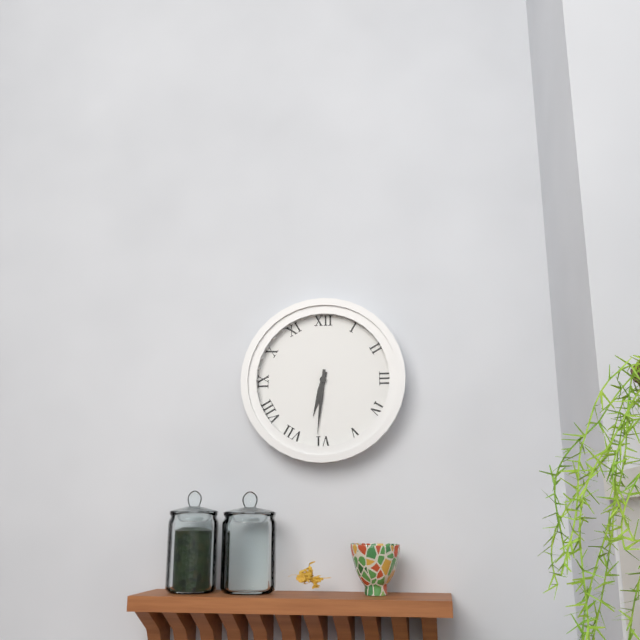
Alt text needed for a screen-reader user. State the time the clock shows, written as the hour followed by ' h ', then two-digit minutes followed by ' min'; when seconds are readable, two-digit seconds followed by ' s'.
6 h 31 min
